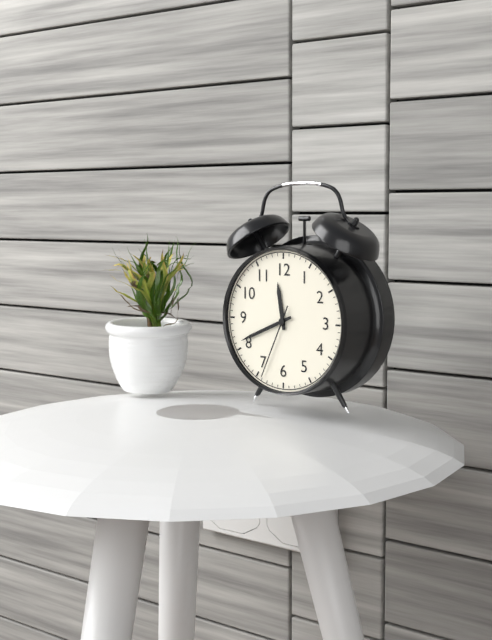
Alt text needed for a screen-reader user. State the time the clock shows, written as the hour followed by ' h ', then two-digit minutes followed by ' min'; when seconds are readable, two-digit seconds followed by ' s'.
11 h 41 min 34 s
